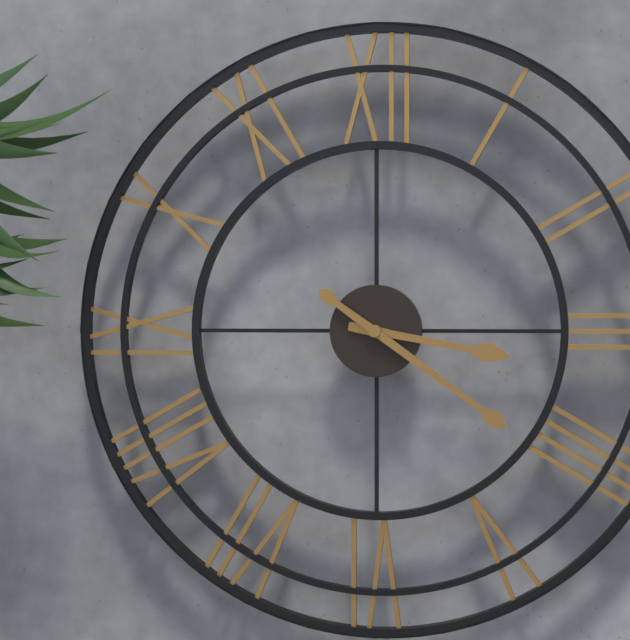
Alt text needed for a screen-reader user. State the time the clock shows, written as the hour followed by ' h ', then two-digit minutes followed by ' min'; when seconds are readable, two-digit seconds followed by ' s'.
3 h 21 min
